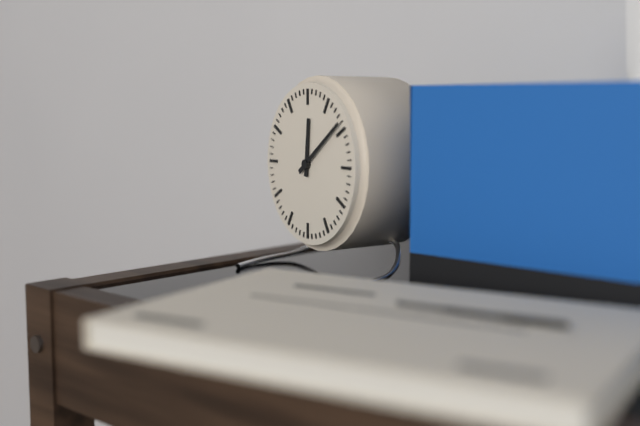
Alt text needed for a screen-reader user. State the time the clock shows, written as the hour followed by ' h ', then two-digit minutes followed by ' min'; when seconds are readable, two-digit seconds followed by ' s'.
12 h 09 min
